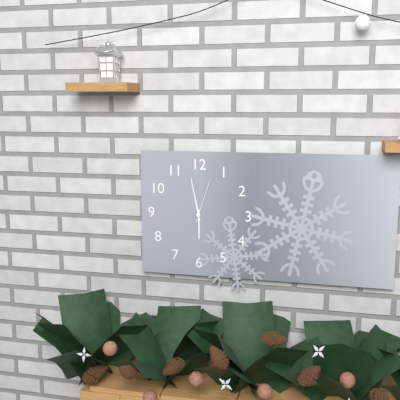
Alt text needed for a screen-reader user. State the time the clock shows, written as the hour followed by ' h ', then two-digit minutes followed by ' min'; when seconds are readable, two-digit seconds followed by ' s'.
5 h 58 min
